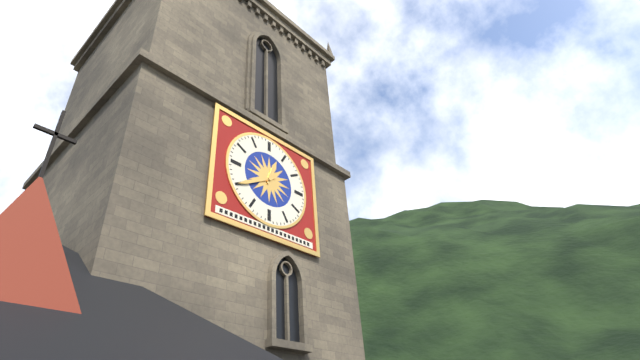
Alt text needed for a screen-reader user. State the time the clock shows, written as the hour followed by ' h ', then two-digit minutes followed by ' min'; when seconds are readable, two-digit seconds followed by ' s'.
12 h 40 min
